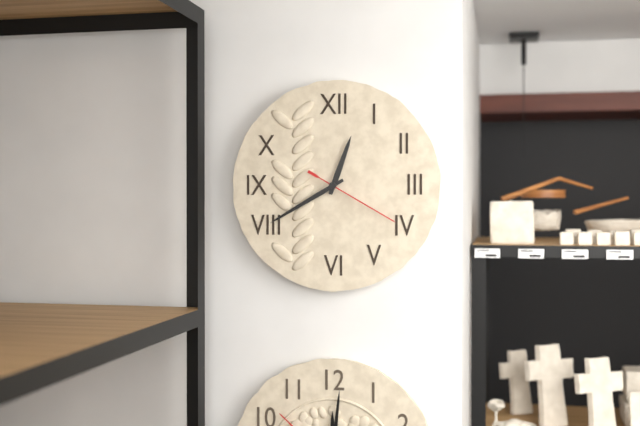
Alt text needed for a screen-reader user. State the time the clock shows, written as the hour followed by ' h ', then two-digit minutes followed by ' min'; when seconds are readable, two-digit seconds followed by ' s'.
12 h 40 min 20 s
